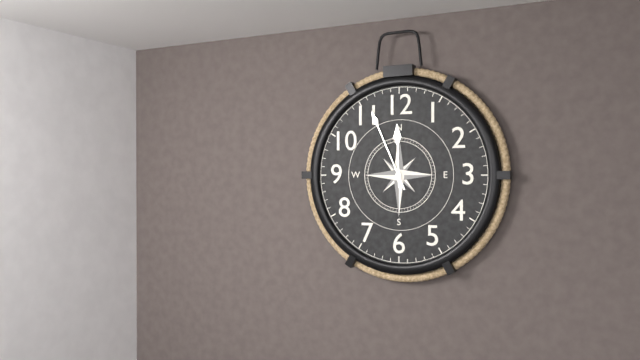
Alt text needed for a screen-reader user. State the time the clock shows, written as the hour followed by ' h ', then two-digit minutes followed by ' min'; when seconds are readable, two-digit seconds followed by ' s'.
11 h 56 min
